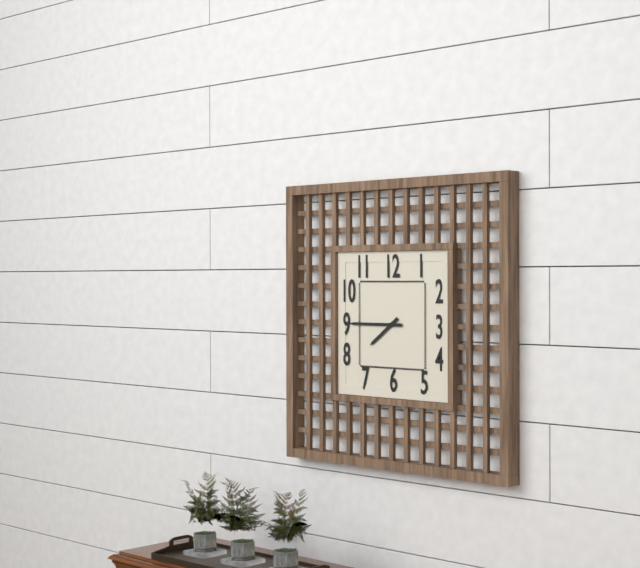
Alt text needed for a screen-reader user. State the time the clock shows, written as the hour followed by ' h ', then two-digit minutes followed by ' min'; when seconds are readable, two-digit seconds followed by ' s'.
7 h 45 min
